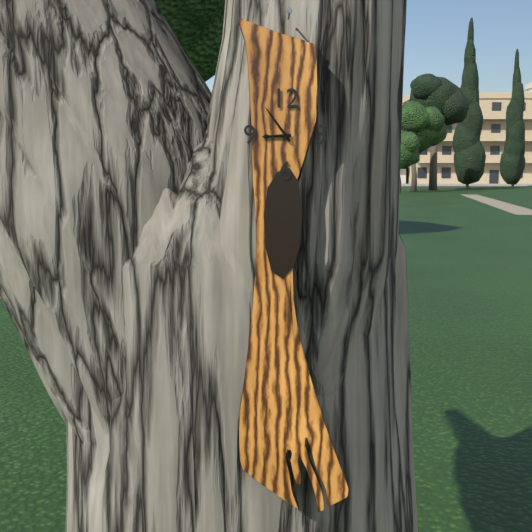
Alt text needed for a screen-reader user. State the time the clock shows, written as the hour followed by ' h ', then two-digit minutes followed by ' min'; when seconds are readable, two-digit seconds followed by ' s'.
8 h 54 min
